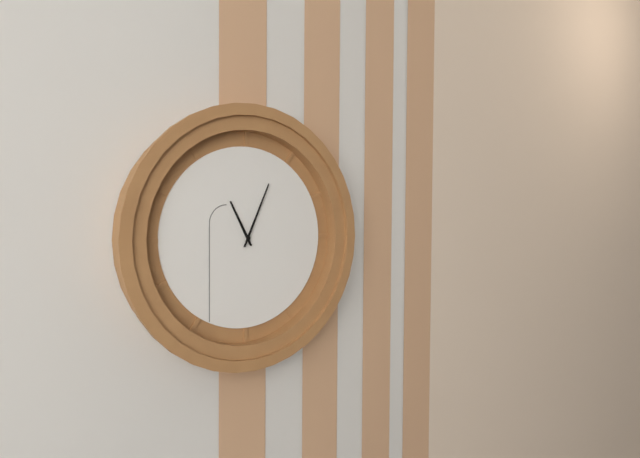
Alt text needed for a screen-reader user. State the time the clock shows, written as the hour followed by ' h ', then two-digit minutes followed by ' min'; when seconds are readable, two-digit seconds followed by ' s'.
11 h 04 min
